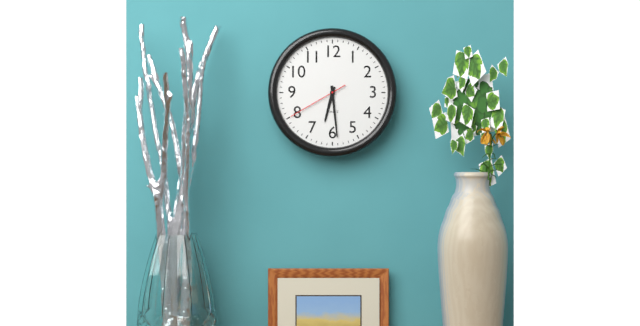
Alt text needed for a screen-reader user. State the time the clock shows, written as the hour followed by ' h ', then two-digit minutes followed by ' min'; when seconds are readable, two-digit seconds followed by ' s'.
6 h 29 min 40 s
